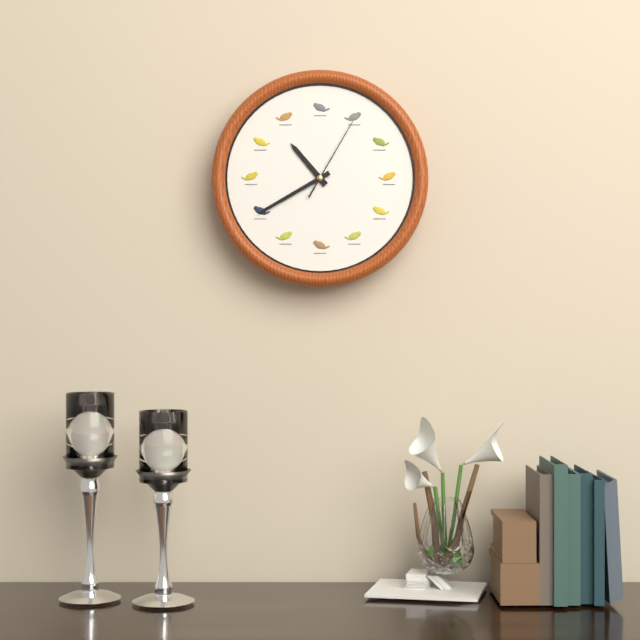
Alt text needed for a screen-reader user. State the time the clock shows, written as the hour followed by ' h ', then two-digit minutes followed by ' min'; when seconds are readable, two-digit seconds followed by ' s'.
10 h 40 min 05 s
